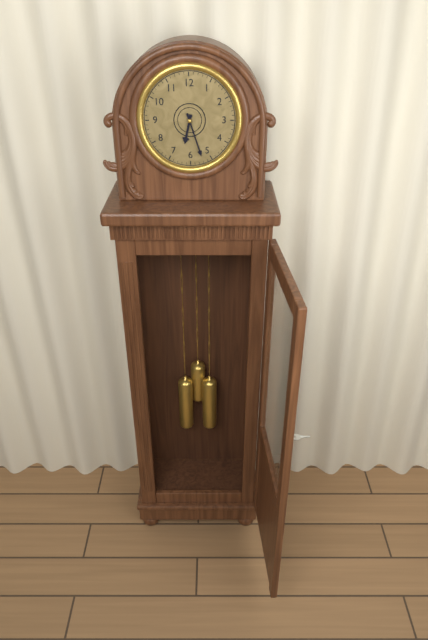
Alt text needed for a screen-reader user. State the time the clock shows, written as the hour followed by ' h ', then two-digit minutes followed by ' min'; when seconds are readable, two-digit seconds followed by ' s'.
6 h 27 min
